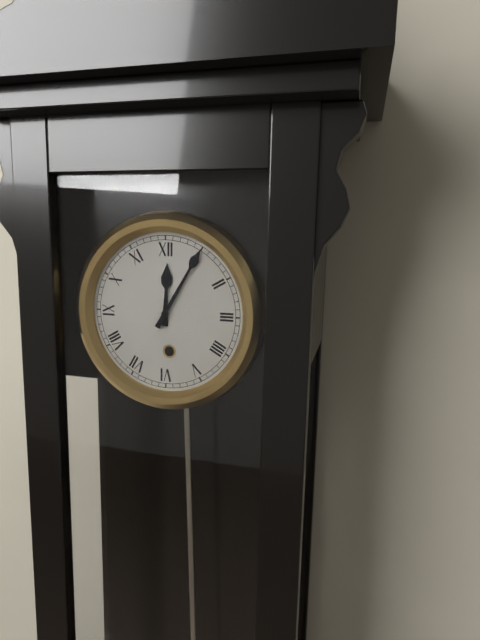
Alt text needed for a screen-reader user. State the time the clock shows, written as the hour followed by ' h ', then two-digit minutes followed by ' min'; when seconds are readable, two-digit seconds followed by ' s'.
12 h 05 min
